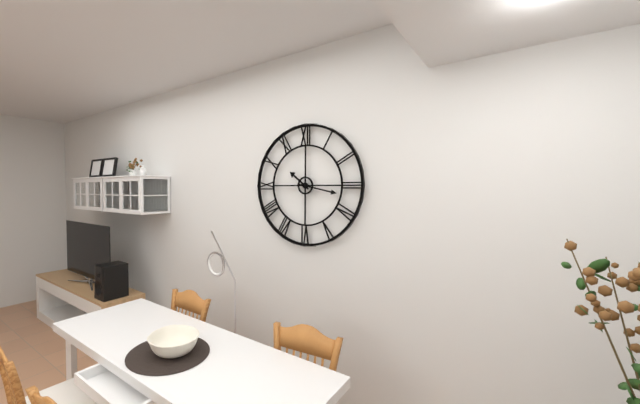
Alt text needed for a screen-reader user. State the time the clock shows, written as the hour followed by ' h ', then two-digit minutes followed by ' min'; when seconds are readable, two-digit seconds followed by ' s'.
10 h 17 min
